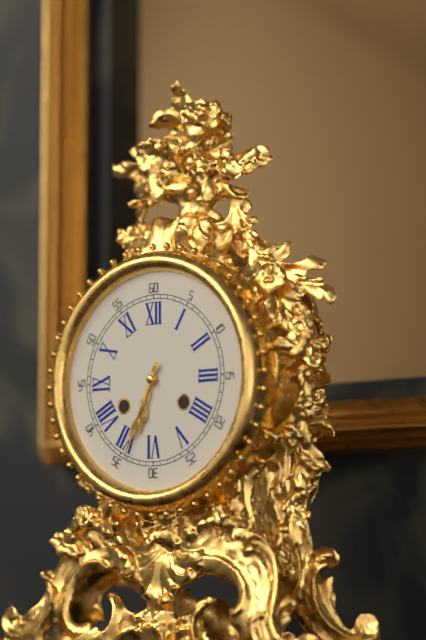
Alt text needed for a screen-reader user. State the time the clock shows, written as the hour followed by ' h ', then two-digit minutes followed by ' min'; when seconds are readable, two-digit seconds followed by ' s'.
6 h 34 min
